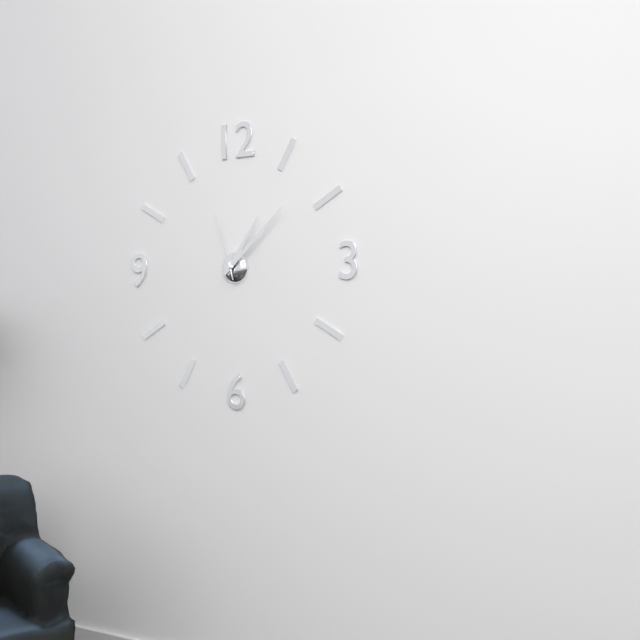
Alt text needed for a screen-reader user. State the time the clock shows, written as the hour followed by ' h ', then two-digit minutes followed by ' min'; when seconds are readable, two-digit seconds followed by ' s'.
1 h 08 min 57 s
